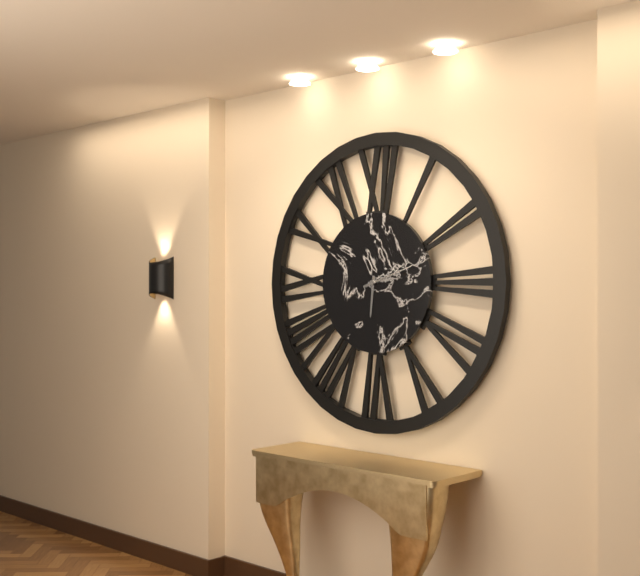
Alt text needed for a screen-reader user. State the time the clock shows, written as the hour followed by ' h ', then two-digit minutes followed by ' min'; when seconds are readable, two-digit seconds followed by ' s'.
6 h 12 min
